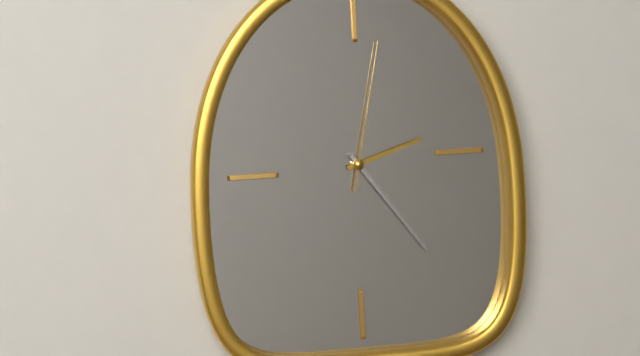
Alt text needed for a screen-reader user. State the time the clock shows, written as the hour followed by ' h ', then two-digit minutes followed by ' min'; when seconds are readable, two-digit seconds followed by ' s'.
2 h 24 min 02 s
